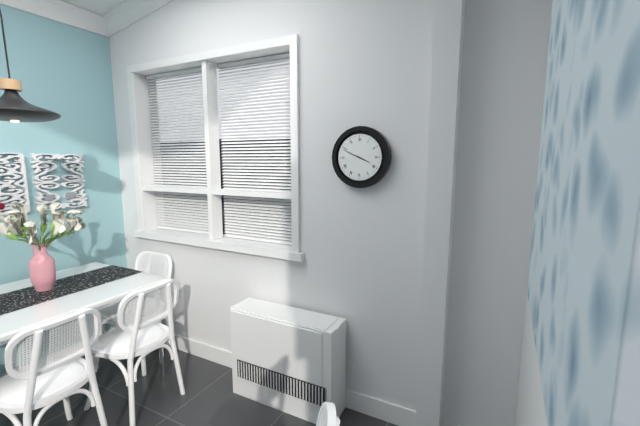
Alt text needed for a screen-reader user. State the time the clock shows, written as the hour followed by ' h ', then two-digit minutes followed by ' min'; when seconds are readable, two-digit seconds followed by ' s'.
3 h 49 min
